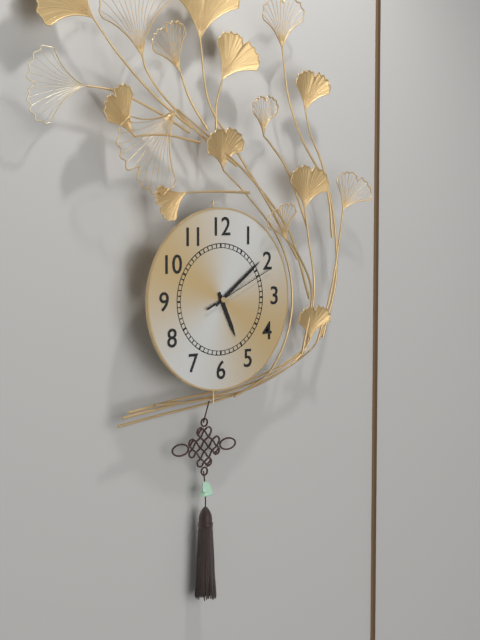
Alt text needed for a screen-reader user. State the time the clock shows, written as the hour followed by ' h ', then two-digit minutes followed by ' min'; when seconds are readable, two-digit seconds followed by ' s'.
5 h 09 min 11 s
